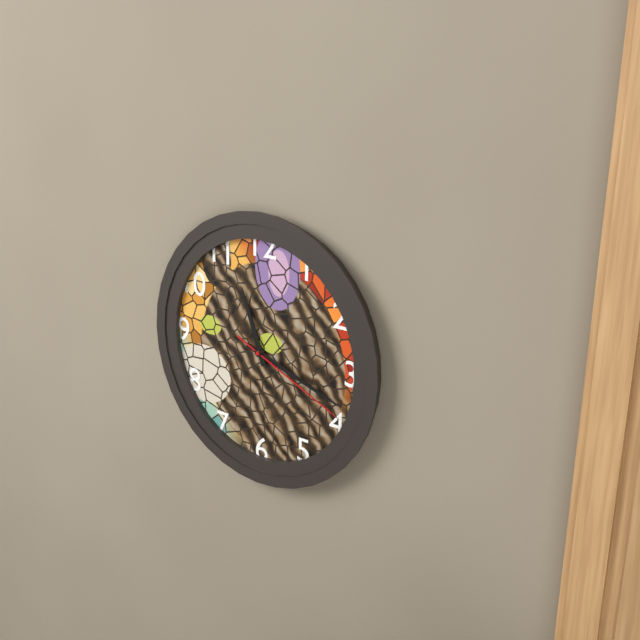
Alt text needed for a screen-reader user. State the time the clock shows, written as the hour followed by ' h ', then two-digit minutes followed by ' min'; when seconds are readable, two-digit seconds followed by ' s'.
11 h 18 min 19 s
